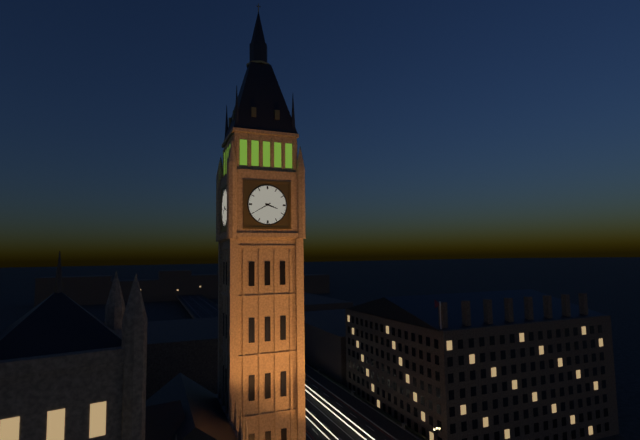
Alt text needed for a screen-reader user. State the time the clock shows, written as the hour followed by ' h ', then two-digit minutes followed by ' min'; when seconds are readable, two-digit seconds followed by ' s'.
3 h 40 min
